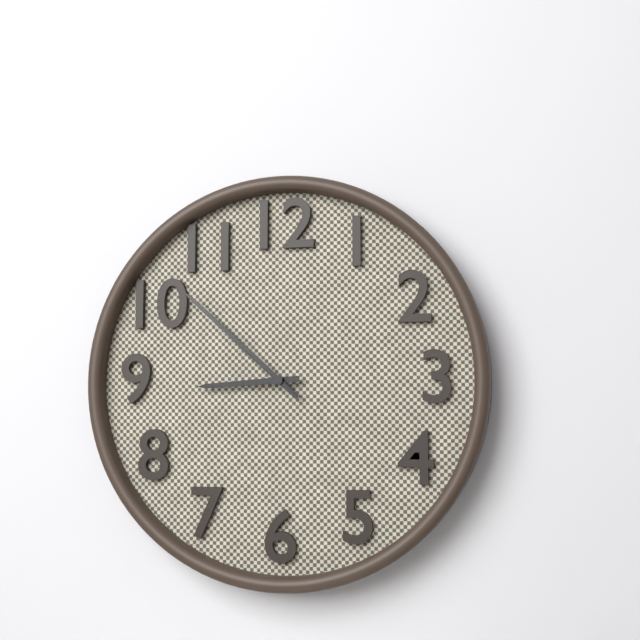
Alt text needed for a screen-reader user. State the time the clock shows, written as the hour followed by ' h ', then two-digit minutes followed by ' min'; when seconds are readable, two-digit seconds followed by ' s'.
8 h 52 min
